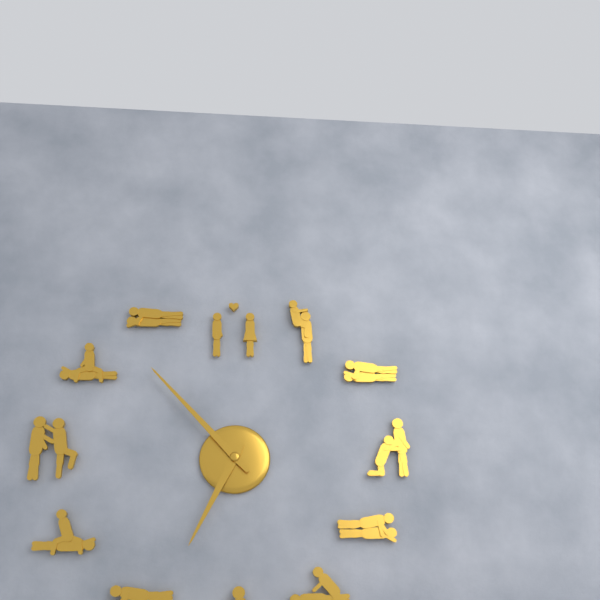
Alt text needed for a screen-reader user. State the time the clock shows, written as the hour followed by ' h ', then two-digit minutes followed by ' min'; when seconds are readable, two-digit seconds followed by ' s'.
6 h 53 min
